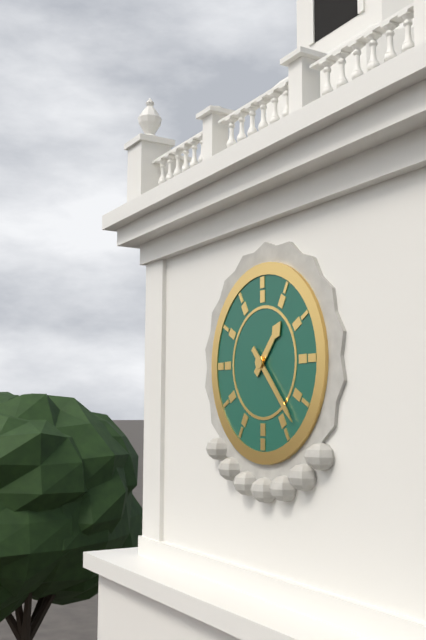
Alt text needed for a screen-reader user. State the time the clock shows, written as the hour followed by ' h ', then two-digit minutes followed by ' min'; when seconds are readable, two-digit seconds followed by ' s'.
1 h 23 min
